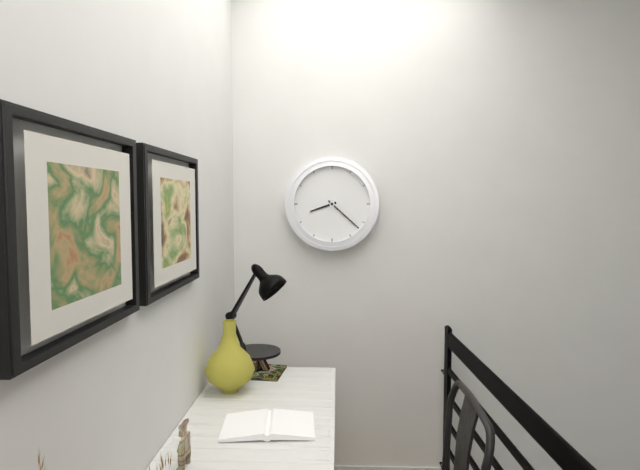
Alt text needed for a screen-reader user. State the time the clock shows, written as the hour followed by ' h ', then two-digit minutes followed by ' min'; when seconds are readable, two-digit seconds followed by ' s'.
8 h 22 min
